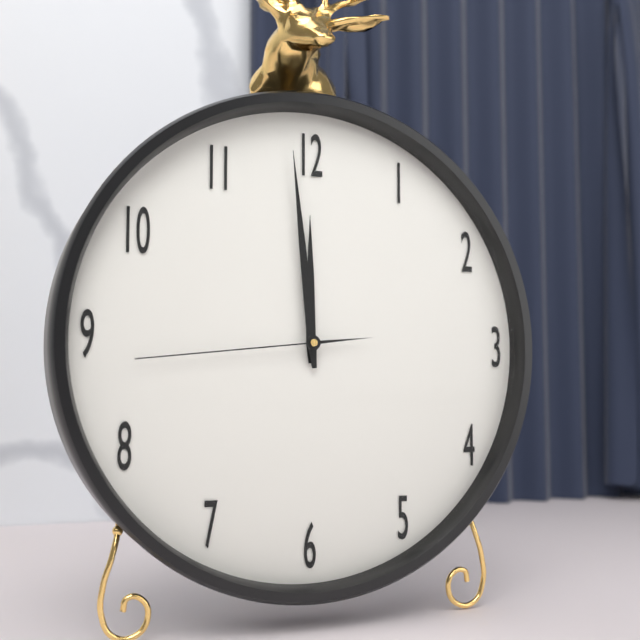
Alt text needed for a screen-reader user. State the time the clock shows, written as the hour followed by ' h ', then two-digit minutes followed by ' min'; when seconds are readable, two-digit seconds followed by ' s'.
11 h 59 min 44 s
